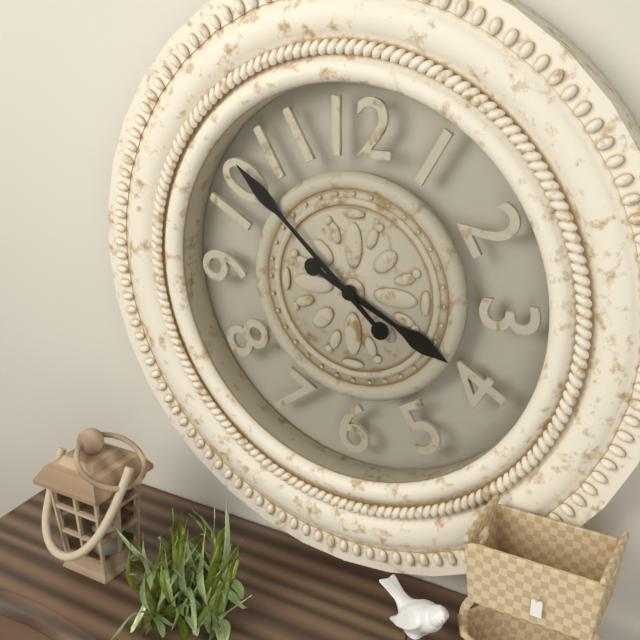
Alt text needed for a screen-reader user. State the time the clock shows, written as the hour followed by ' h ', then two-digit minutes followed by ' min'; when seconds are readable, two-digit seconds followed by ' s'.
3 h 52 min
